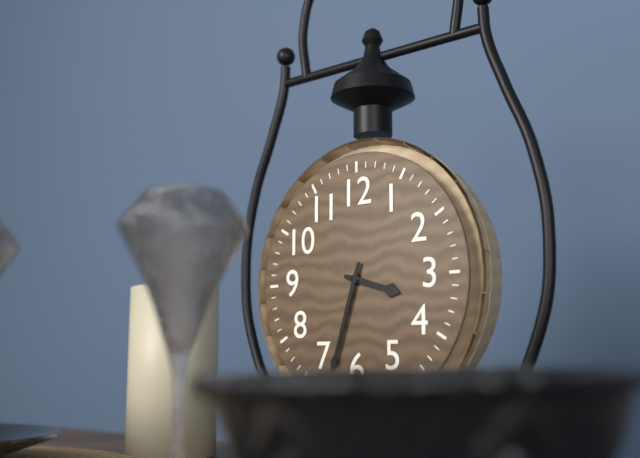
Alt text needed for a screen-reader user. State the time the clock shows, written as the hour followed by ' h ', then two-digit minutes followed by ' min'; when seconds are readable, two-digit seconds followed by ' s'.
3 h 33 min
